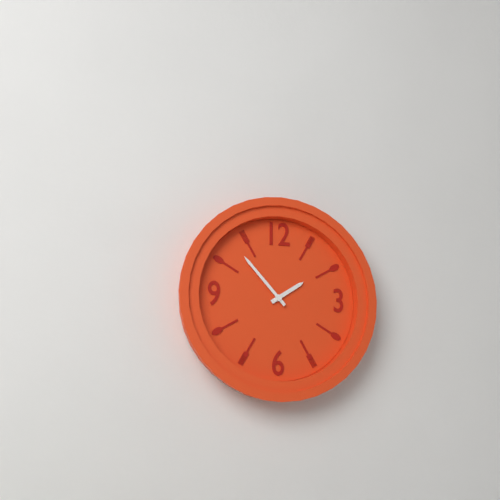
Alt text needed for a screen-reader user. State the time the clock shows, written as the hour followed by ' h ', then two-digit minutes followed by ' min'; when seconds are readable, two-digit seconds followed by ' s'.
1 h 53 min
